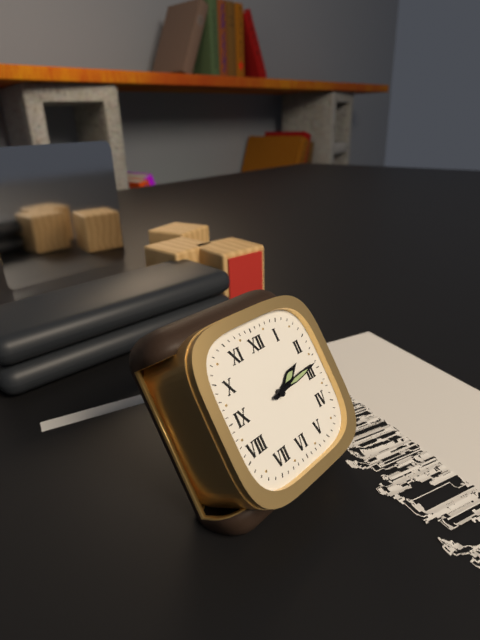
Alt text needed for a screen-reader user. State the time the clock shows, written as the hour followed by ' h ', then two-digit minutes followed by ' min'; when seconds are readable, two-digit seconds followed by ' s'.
2 h 14 min
